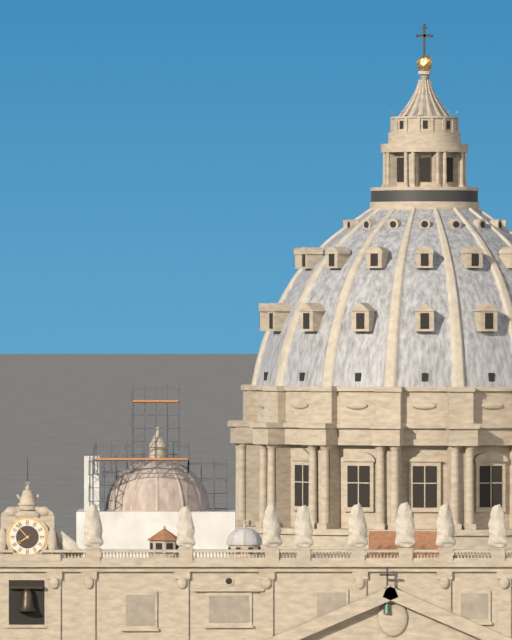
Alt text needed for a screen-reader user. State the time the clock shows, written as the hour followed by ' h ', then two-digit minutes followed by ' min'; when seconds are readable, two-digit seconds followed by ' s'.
7 h 53 min
